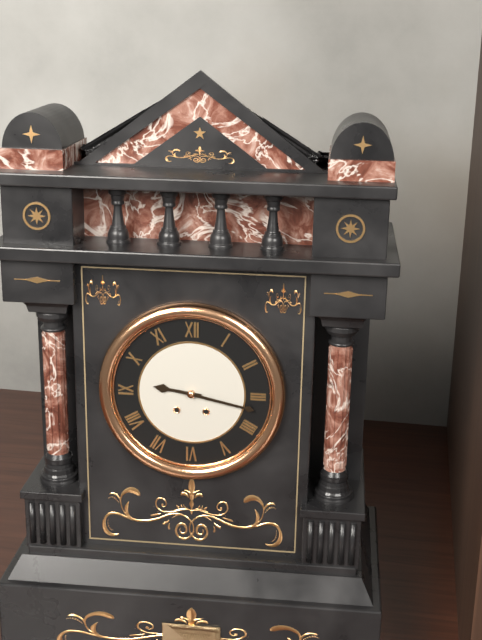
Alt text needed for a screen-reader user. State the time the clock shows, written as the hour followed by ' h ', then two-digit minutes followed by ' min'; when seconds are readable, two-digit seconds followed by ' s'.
9 h 17 min
